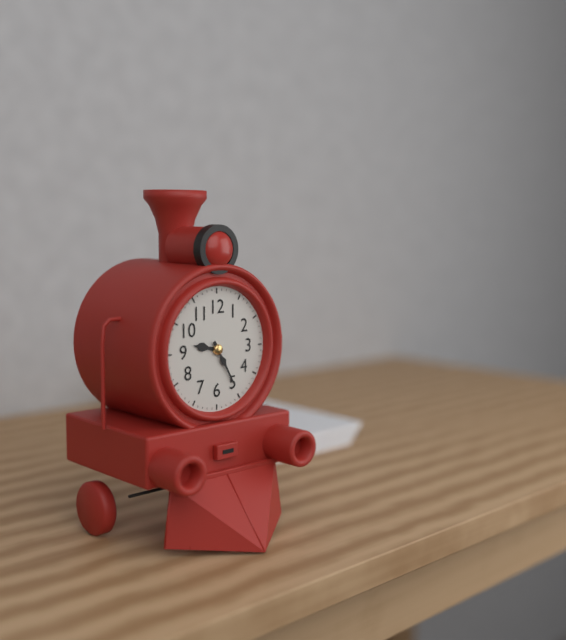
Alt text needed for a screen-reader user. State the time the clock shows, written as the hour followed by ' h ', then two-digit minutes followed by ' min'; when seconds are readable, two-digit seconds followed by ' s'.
9 h 25 min
